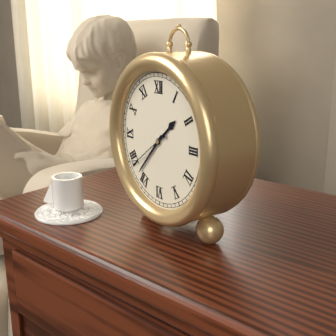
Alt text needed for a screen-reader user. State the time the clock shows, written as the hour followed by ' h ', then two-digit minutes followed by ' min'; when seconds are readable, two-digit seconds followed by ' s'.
1 h 37 min 39 s
